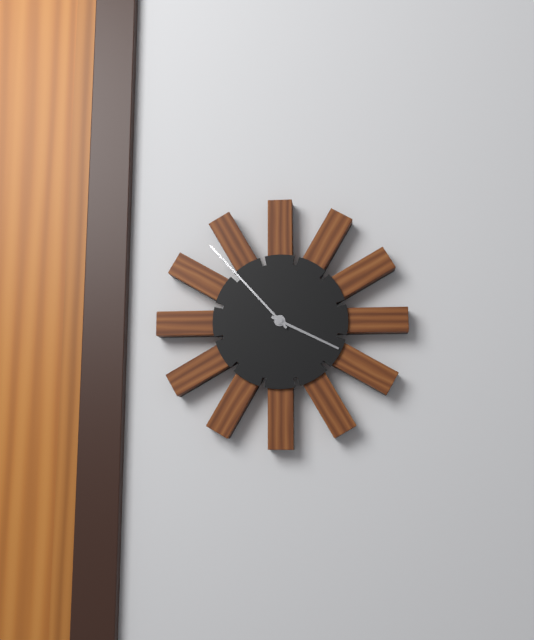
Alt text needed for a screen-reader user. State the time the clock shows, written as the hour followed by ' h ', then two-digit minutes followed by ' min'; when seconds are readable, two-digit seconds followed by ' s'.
3 h 53 min
